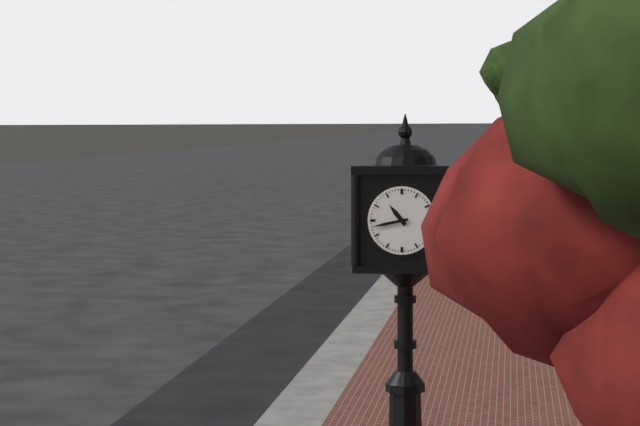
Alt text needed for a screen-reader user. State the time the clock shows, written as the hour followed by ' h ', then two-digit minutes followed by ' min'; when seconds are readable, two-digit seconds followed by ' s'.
10 h 43 min
